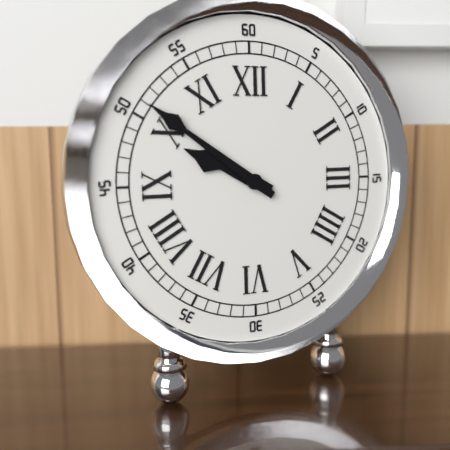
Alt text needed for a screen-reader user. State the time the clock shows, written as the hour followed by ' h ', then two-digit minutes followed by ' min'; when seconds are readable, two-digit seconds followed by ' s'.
9 h 51 min
